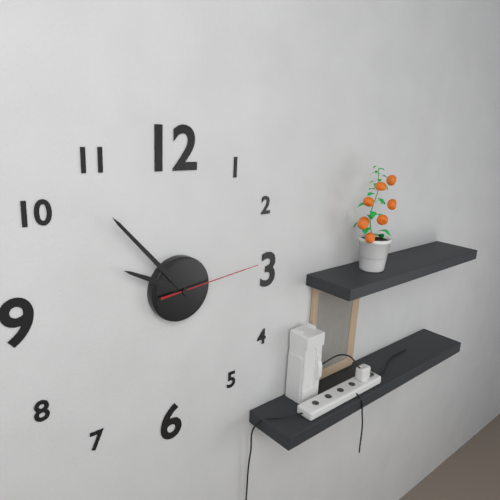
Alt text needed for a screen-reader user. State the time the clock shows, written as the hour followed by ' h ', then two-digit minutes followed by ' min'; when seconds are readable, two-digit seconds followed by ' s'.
9 h 53 min 14 s
